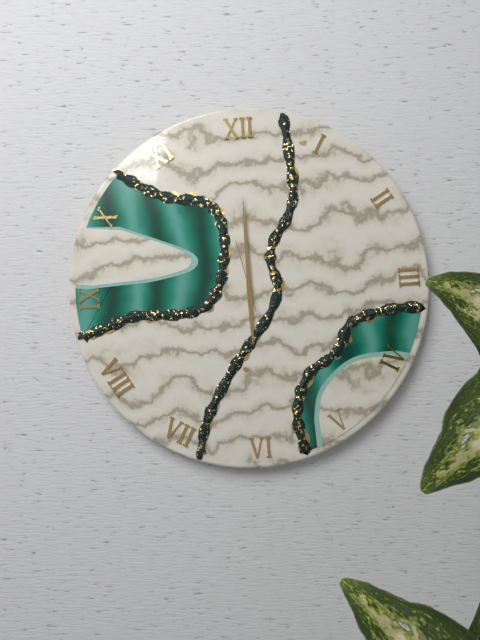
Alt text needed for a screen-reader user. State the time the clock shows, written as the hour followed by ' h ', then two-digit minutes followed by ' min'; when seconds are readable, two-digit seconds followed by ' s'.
6 h 00 min 58 s
